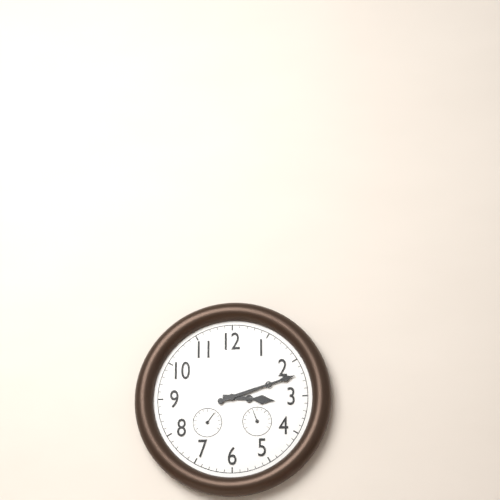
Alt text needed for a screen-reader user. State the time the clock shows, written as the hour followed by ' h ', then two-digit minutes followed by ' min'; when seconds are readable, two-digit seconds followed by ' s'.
3 h 12 min
